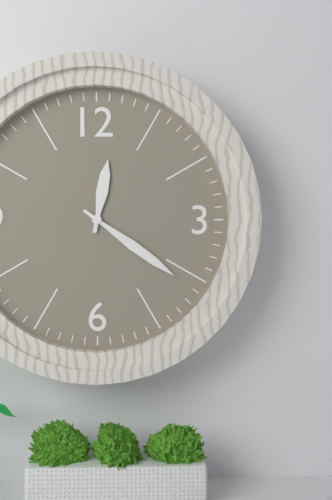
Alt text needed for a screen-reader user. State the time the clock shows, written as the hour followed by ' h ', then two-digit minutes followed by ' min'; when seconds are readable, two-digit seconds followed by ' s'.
12 h 21 min
